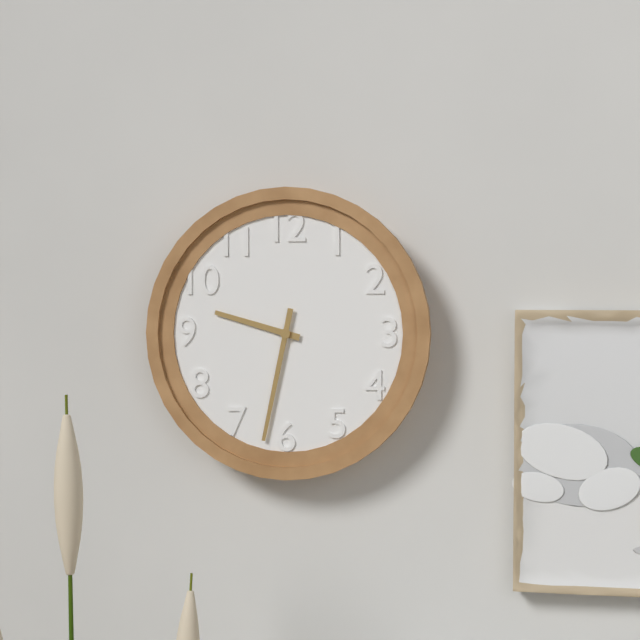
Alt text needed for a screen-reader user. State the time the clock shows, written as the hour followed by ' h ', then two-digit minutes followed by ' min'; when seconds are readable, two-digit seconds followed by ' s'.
9 h 32 min
